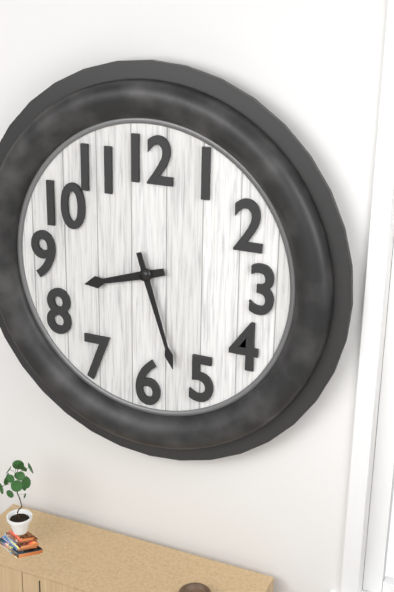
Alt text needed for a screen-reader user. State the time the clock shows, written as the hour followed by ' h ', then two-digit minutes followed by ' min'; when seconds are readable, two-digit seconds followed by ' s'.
8 h 27 min
